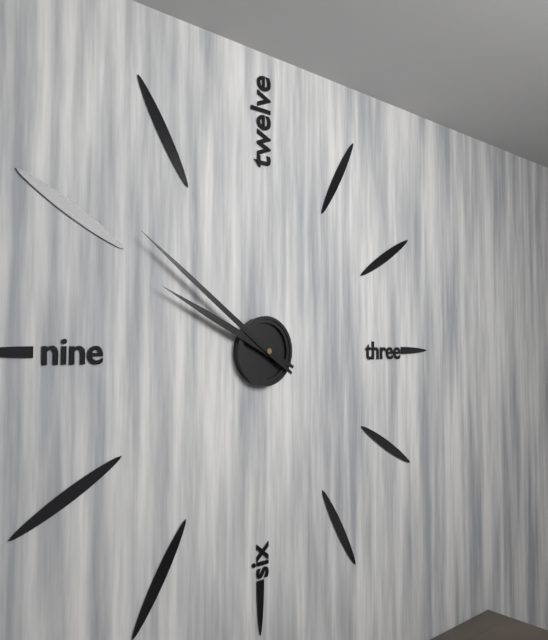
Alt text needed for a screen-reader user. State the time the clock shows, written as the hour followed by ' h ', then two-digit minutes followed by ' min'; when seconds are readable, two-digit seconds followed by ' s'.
9 h 51 min
